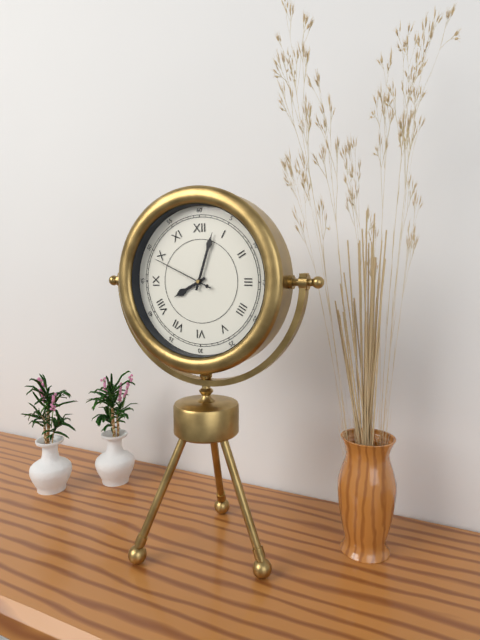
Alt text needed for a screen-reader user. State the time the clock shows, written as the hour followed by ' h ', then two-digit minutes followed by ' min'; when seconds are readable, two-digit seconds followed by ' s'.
8 h 03 min 49 s
